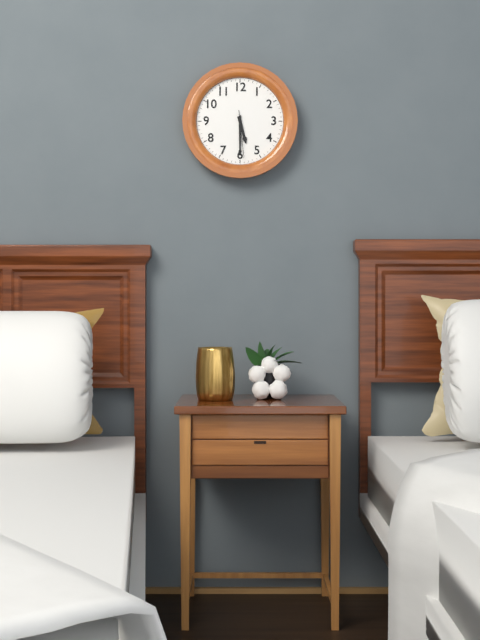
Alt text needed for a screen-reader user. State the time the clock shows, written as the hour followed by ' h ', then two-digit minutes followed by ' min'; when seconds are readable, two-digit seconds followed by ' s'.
5 h 30 min
